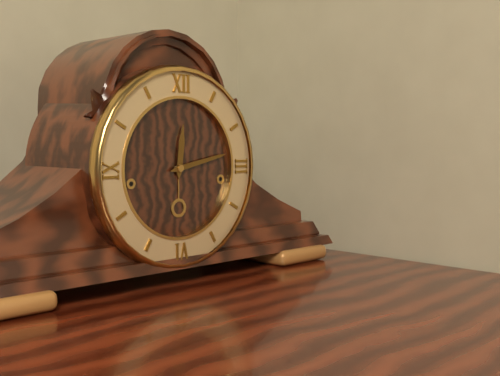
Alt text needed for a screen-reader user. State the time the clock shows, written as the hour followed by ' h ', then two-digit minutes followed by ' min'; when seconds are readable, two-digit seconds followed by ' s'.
12 h 13 min
